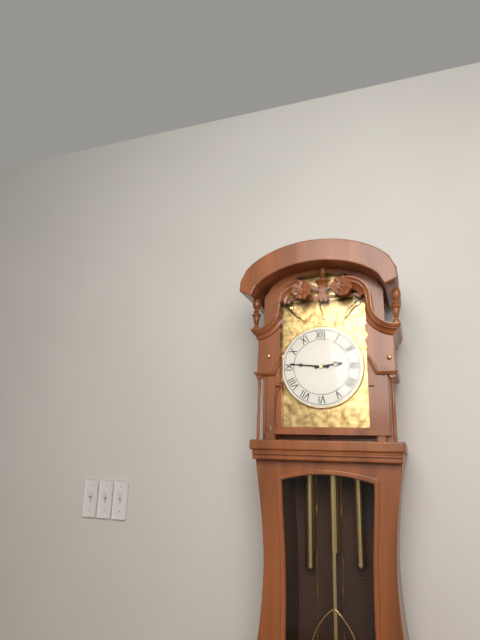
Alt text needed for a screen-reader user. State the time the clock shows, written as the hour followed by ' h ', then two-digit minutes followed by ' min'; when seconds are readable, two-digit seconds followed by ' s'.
2 h 46 min
